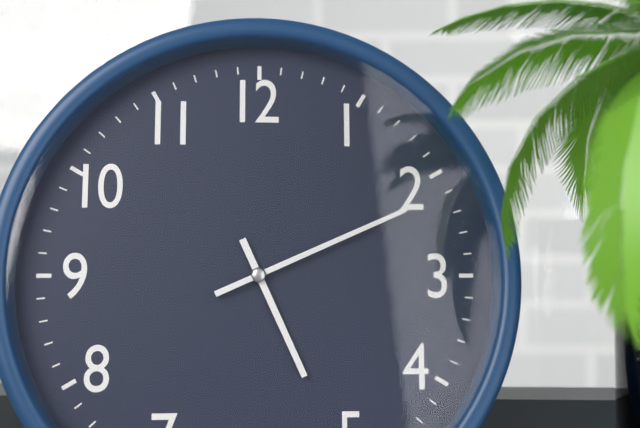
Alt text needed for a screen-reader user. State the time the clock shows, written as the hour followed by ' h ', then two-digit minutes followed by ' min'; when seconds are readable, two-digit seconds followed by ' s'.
5 h 11 min
